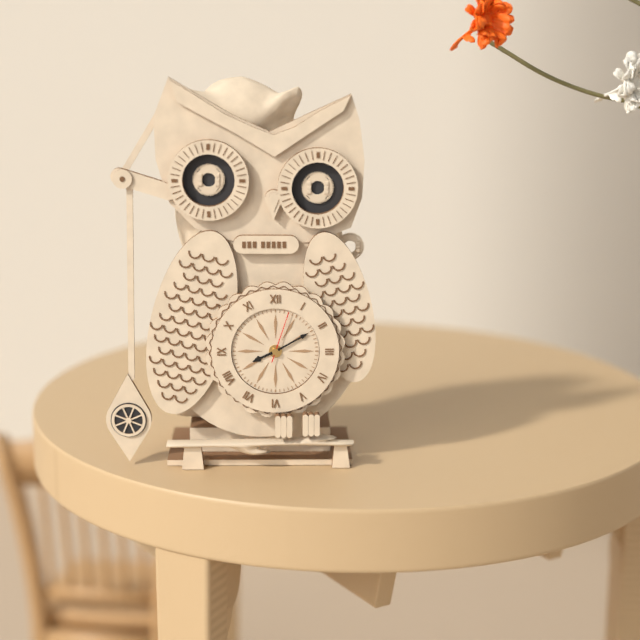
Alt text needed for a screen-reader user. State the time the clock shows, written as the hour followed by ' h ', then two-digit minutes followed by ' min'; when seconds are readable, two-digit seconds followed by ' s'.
8 h 10 min 03 s
